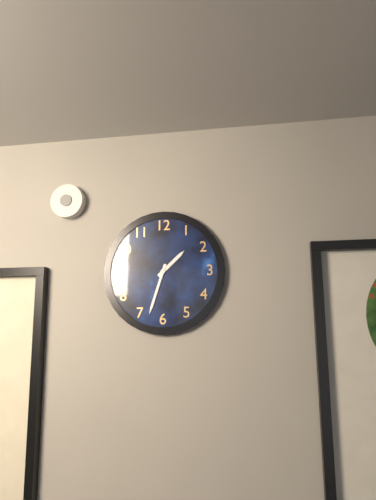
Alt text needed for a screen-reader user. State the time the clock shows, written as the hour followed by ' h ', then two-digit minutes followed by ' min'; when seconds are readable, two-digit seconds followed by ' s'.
1 h 33 min
